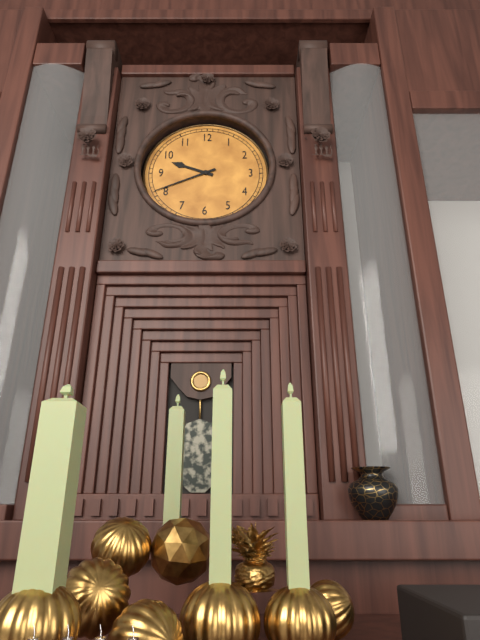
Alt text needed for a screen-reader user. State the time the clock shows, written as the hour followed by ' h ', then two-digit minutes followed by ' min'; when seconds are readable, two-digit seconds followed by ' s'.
9 h 41 min
